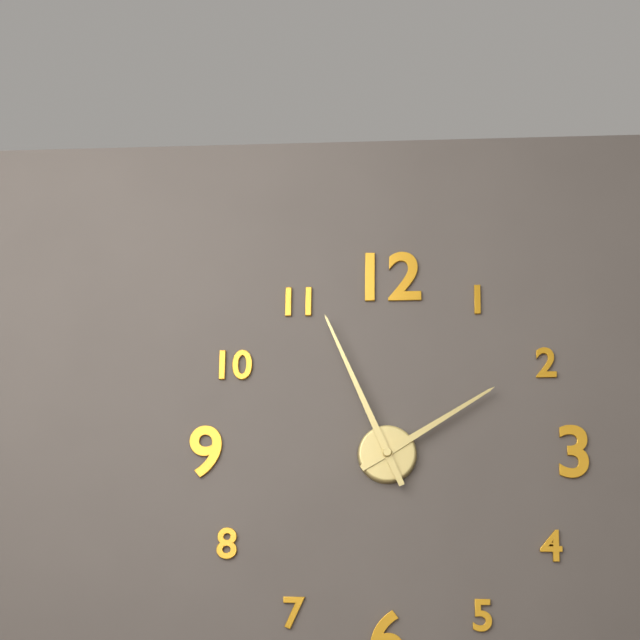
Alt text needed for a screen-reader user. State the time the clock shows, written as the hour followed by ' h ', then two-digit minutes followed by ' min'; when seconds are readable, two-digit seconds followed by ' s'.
1 h 56 min
